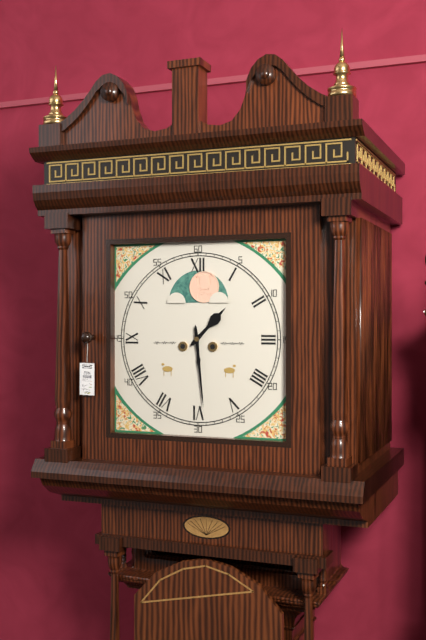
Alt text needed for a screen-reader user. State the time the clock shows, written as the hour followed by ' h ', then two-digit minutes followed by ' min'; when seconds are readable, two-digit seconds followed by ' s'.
1 h 29 min
